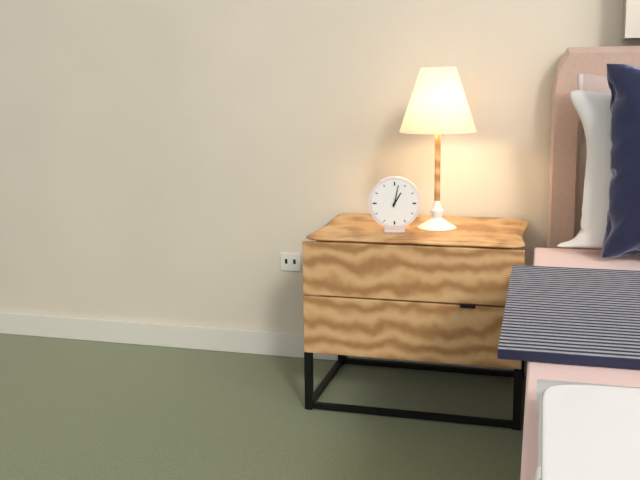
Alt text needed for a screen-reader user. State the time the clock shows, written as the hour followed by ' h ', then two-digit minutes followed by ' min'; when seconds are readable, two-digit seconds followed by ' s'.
1 h 02 min
